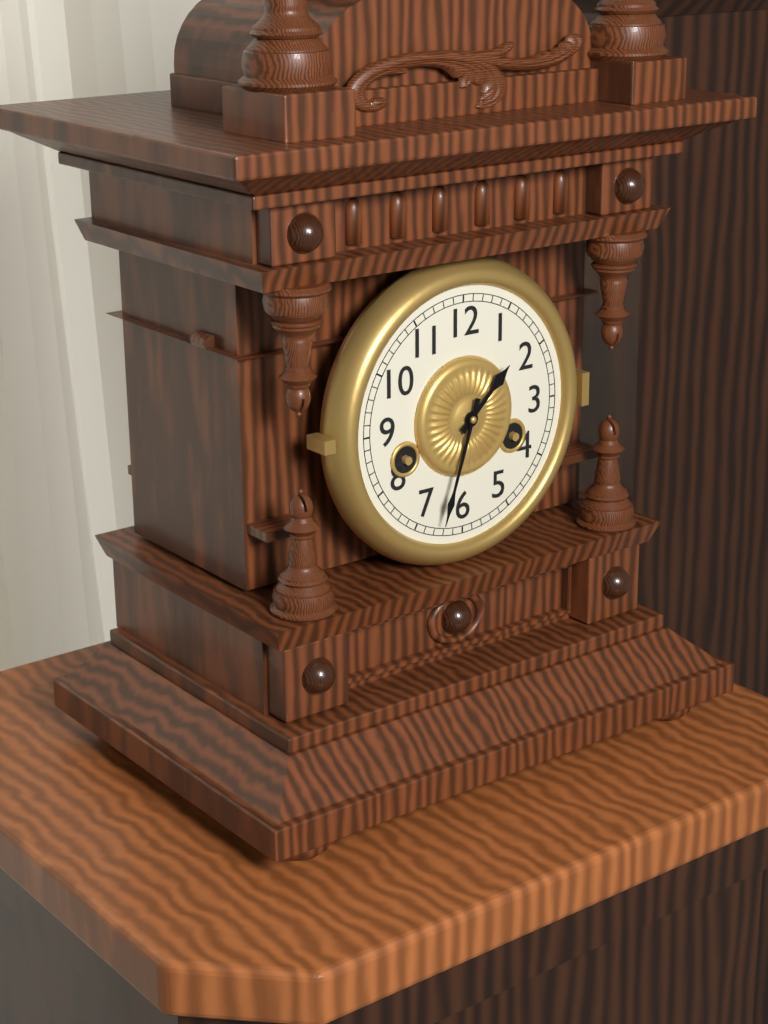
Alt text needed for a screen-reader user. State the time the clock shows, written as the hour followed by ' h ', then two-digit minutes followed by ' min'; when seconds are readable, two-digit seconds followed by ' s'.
1 h 33 min
